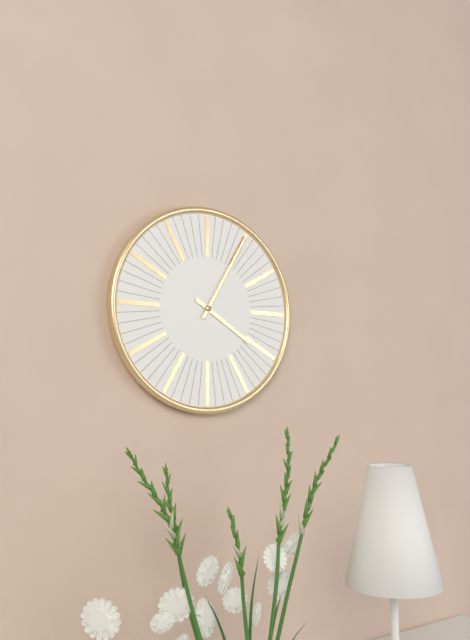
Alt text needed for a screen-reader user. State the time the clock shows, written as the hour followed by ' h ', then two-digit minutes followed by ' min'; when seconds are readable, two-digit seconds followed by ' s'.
4 h 05 min
